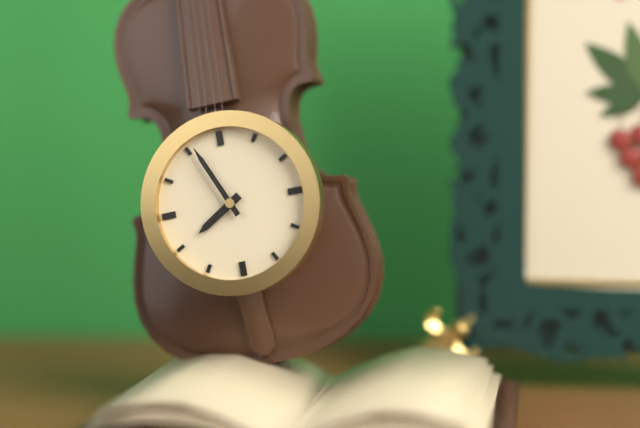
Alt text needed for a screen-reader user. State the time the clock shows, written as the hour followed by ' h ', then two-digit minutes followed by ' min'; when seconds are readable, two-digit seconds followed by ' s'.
7 h 56 min
